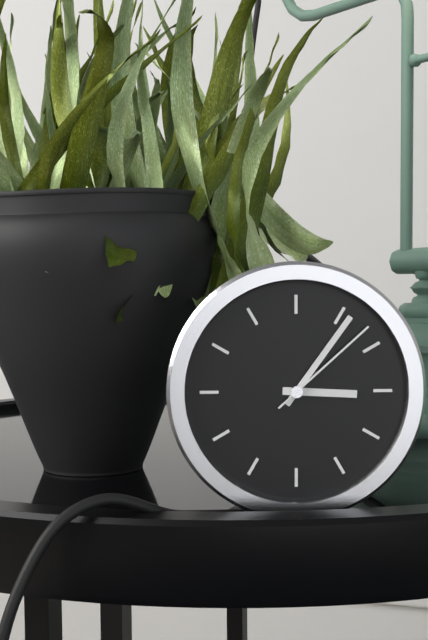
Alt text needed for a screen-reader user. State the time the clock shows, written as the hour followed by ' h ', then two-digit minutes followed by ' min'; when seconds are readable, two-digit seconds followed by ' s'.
3 h 06 min 08 s
